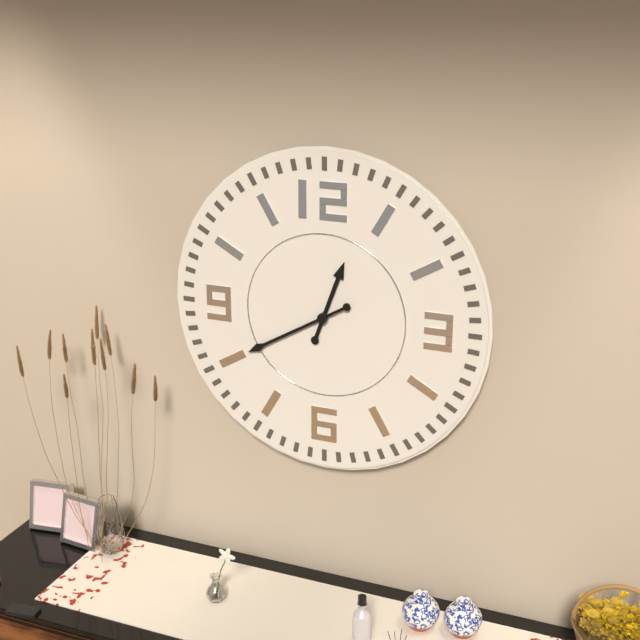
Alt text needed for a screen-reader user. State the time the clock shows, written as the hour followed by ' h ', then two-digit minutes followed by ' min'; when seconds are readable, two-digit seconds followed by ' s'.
12 h 40 min
